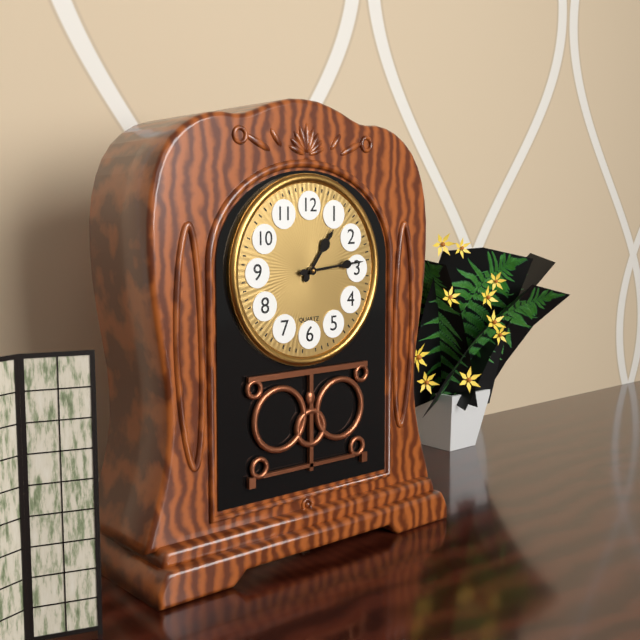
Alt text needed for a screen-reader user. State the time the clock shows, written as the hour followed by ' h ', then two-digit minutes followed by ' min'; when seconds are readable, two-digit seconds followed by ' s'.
1 h 14 min
